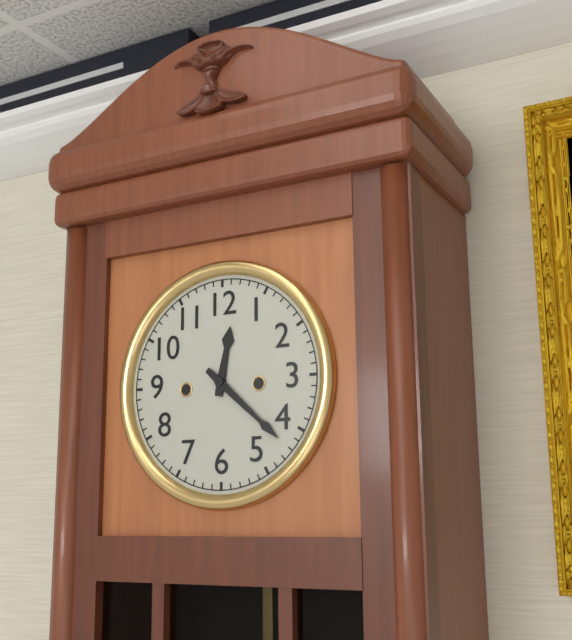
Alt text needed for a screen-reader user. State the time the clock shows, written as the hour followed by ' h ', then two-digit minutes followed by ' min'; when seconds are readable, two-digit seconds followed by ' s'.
12 h 22 min
